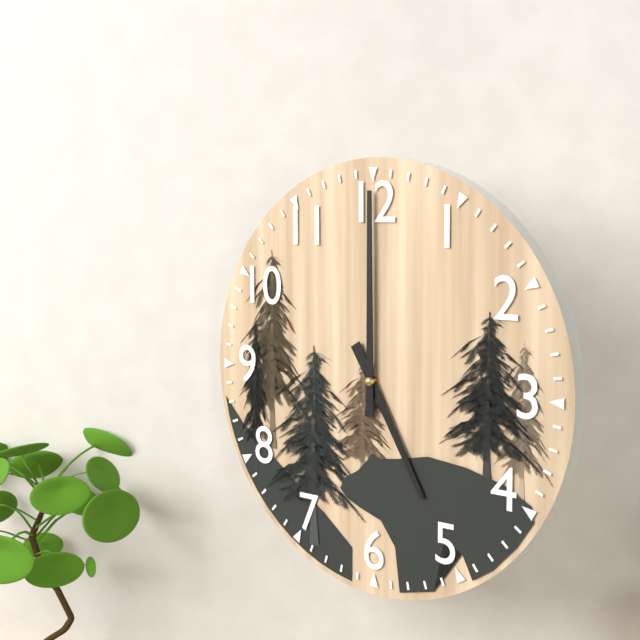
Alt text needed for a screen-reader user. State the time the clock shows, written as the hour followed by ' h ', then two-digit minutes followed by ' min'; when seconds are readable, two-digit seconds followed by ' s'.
5 h 00 min
